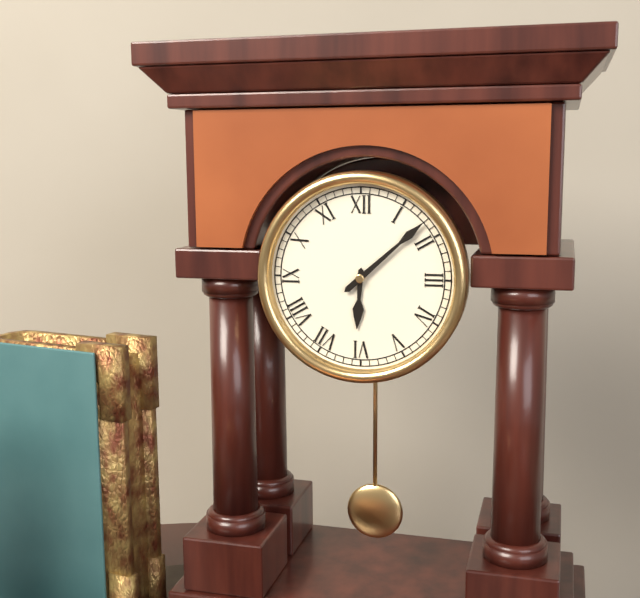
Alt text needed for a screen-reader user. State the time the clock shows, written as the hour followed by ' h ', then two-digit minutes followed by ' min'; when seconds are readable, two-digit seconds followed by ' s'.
6 h 08 min
